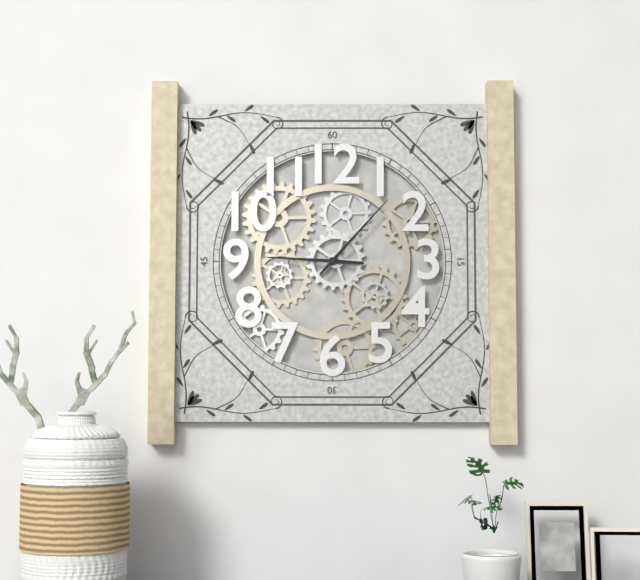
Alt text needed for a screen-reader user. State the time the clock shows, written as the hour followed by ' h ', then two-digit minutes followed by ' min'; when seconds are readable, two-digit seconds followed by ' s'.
9 h 07 min
